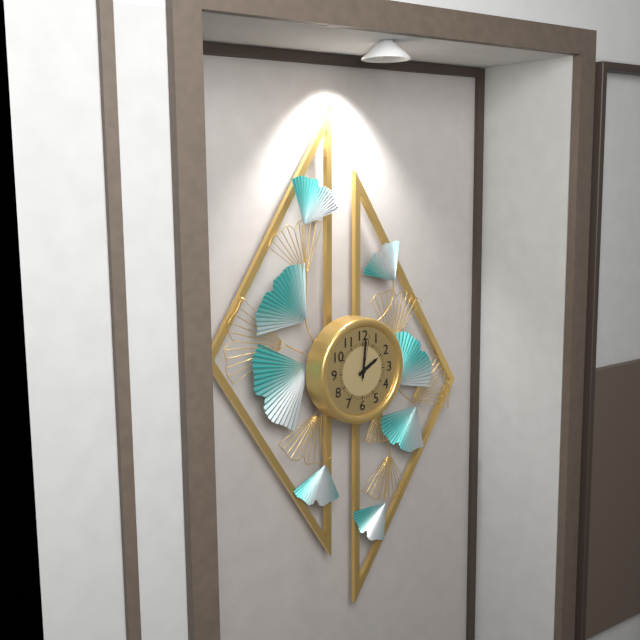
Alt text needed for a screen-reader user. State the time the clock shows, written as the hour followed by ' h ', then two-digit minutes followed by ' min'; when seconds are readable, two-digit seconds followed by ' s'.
2 h 01 min
